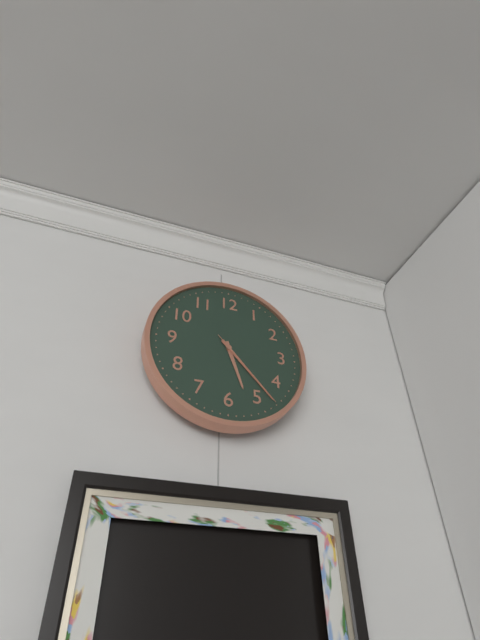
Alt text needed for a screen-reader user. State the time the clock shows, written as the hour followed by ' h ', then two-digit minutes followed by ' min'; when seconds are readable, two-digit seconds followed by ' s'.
5 h 23 min 23 s
